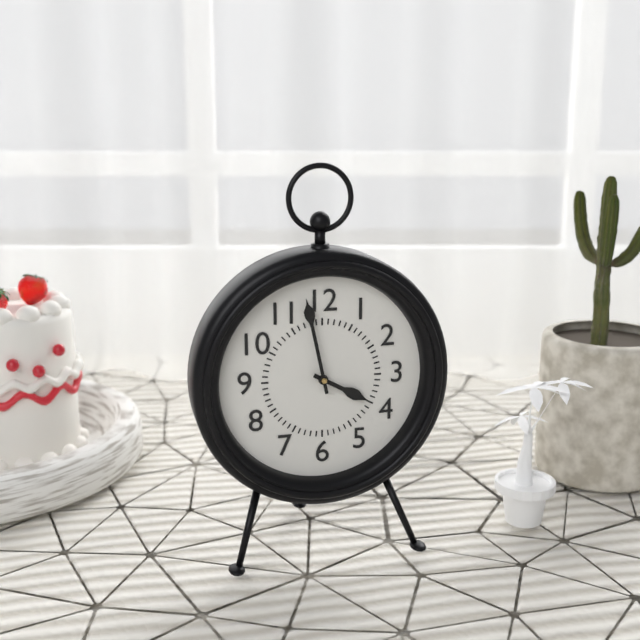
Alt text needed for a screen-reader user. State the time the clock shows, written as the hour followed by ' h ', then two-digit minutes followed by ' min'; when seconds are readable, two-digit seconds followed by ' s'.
3 h 58 min
